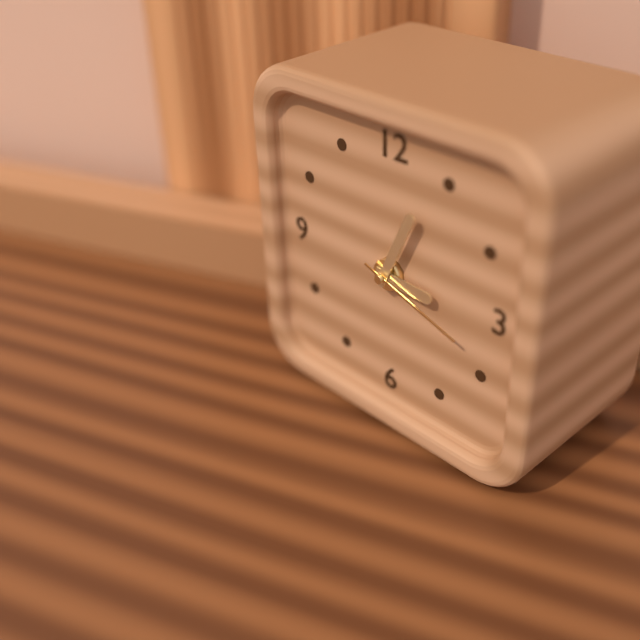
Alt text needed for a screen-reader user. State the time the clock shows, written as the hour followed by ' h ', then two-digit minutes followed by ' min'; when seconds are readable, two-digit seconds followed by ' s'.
3 h 04 min 18 s
